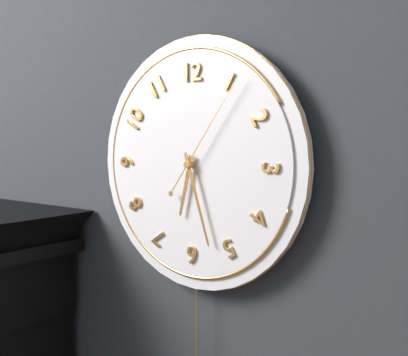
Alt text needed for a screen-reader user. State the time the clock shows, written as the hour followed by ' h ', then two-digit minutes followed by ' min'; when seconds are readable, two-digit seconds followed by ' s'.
6 h 27 min 06 s
